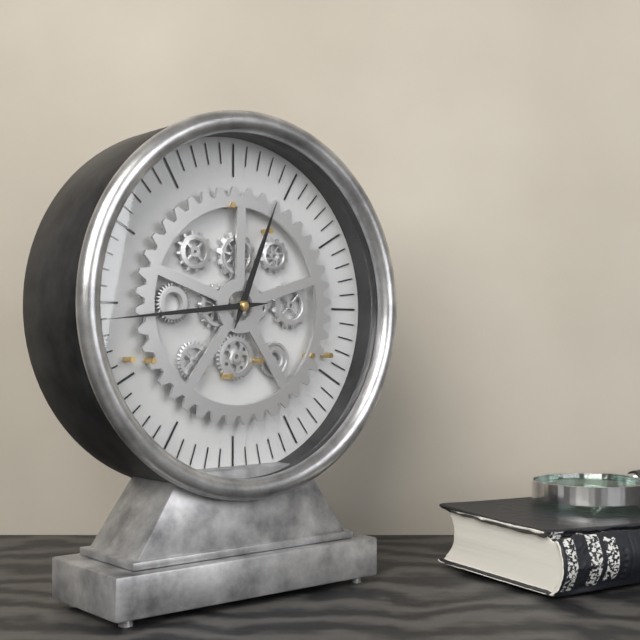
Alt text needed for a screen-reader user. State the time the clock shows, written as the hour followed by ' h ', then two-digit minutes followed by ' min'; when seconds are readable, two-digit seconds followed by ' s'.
12 h 44 min
